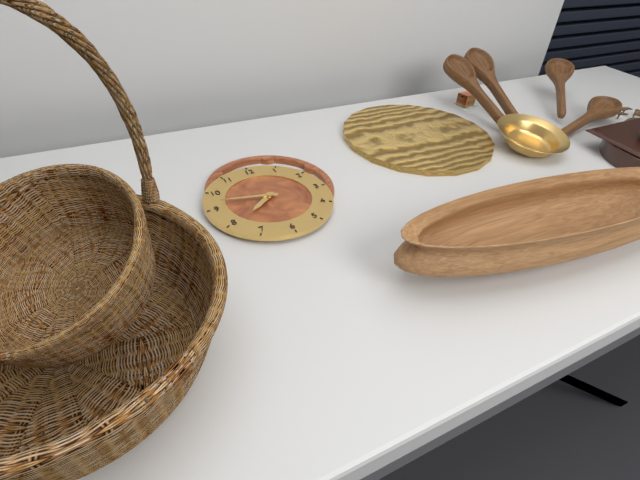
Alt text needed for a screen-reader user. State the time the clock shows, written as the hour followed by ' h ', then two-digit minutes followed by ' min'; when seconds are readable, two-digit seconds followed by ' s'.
7 h 47 min
